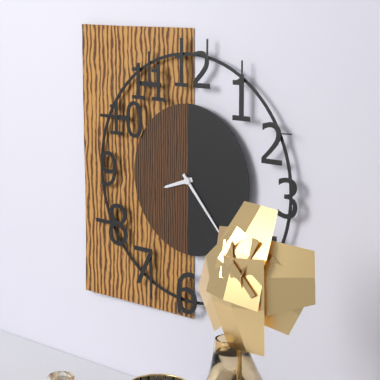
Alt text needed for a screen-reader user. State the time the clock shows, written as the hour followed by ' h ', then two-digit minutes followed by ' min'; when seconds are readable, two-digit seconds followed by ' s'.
8 h 23 min
